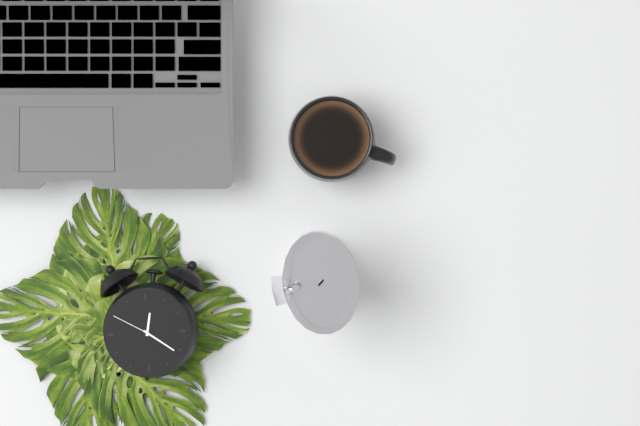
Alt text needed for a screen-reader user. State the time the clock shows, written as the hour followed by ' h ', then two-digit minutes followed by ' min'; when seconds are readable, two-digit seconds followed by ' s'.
12 h 21 min
